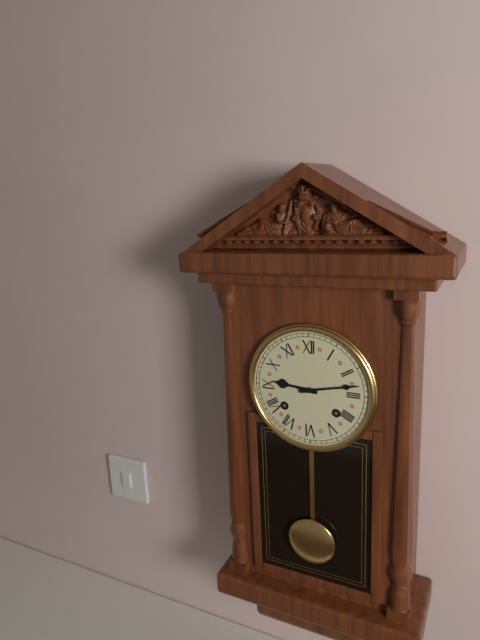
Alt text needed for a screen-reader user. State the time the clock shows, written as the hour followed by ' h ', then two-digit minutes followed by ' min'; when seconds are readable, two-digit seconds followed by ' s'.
9 h 13 min
